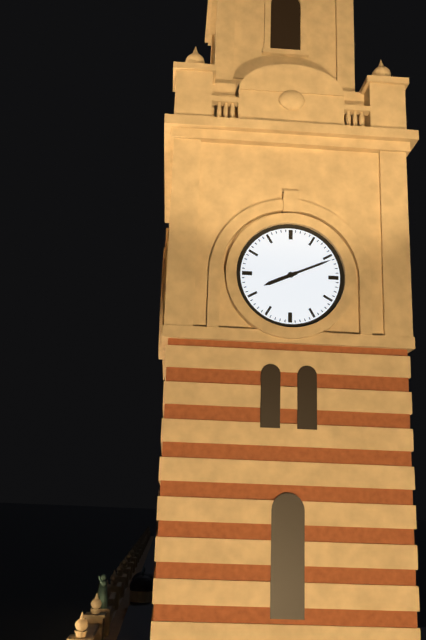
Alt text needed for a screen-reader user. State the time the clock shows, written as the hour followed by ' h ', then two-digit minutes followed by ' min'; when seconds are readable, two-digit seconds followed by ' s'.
8 h 11 min
